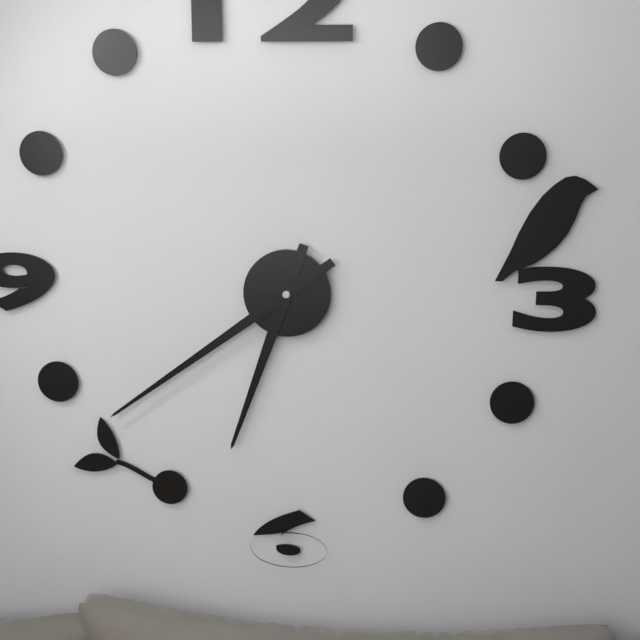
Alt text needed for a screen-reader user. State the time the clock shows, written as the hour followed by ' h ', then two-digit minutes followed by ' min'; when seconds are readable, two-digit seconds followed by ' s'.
6 h 39 min
